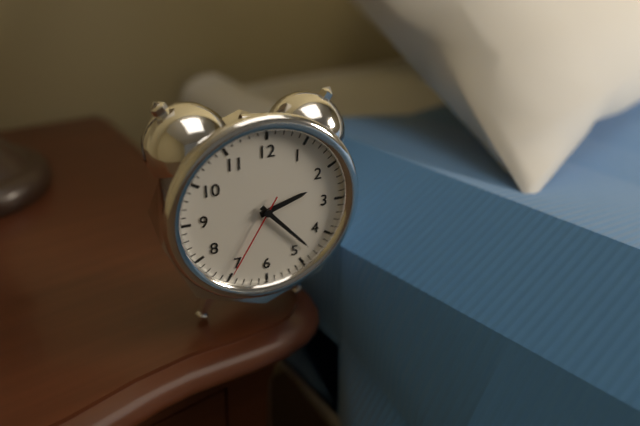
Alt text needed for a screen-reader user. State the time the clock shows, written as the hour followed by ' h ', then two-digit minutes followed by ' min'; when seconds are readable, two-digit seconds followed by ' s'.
2 h 23 min 35 s
